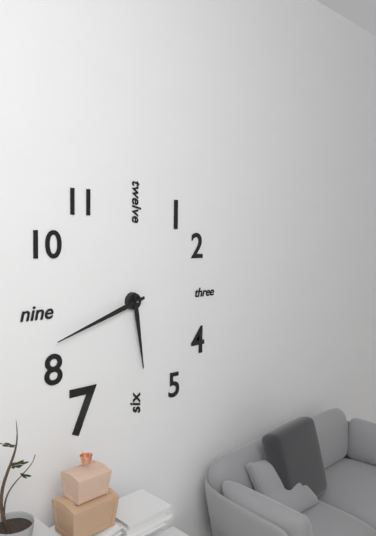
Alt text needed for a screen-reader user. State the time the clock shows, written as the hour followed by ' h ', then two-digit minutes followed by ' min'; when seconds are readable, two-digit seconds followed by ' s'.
5 h 42 min
